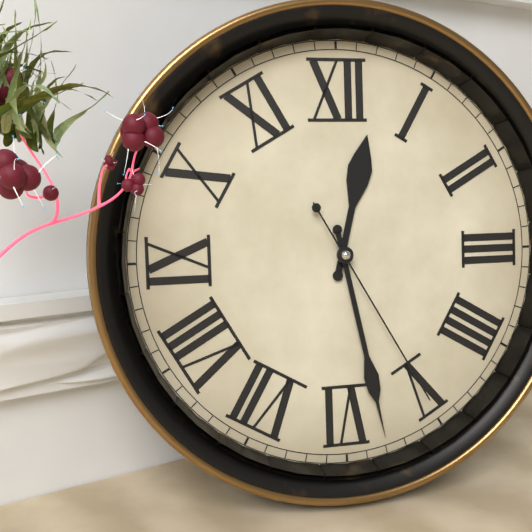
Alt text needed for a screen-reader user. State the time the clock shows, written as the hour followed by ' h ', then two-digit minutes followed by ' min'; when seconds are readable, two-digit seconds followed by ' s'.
12 h 28 min 25 s
